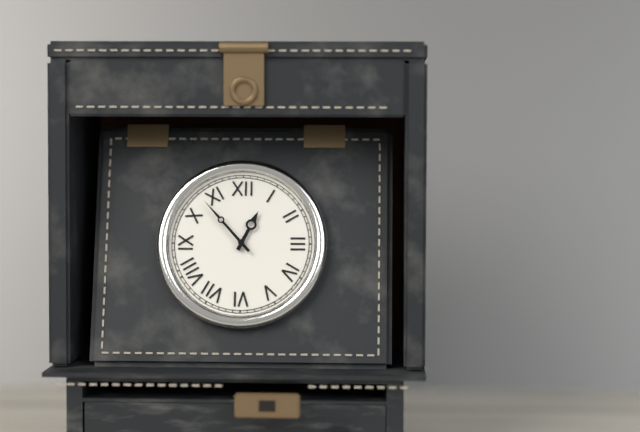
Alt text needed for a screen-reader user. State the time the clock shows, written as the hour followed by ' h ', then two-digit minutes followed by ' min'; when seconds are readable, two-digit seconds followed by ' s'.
12 h 53 min
